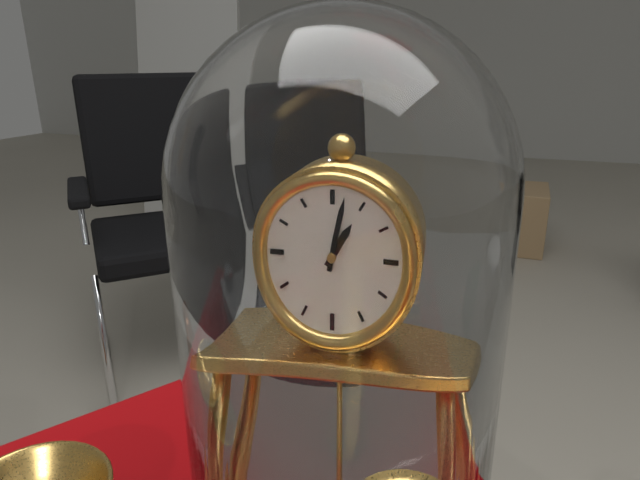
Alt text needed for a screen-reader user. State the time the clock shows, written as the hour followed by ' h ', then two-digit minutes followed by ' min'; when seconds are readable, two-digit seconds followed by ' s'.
1 h 02 min
